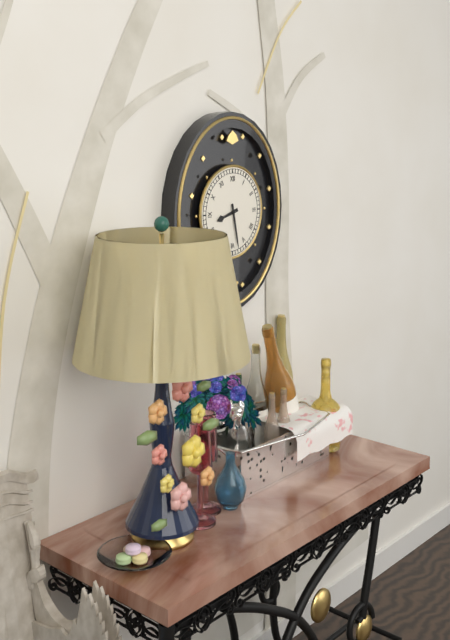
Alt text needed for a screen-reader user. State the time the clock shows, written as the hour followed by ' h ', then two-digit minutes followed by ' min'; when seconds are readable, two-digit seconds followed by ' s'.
8 h 28 min
